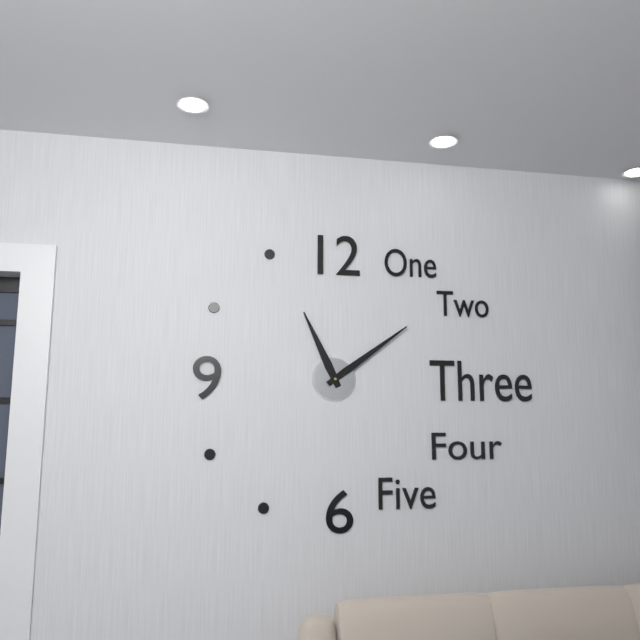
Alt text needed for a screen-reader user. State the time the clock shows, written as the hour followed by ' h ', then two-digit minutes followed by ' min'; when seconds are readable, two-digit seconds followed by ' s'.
11 h 09 min
